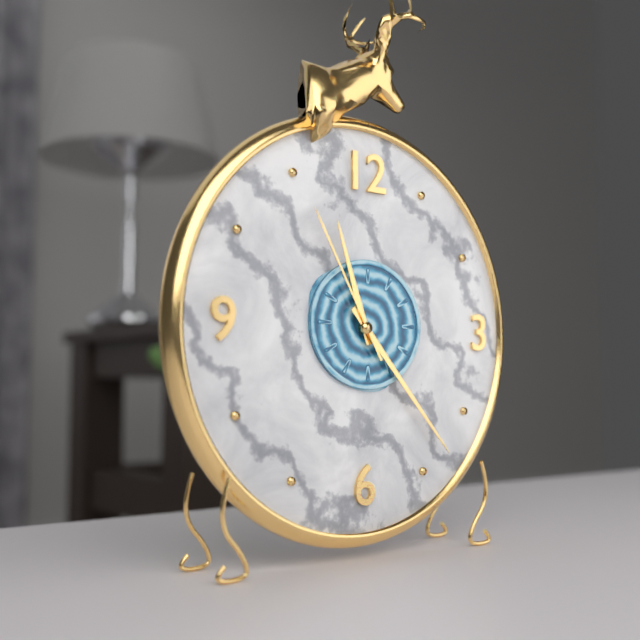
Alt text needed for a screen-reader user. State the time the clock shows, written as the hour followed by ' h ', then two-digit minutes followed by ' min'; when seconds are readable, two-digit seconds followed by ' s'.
11 h 23 min 55 s
